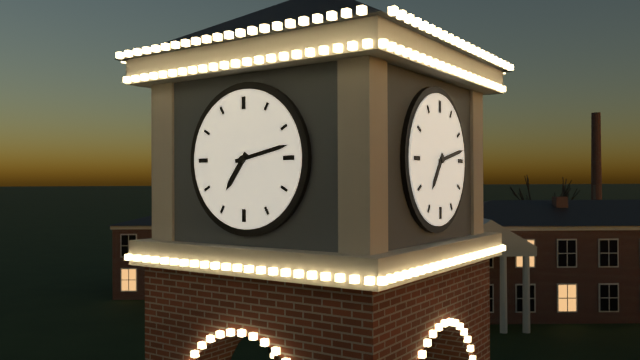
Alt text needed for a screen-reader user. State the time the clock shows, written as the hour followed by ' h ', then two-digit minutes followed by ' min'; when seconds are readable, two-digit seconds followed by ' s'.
7 h 13 min
